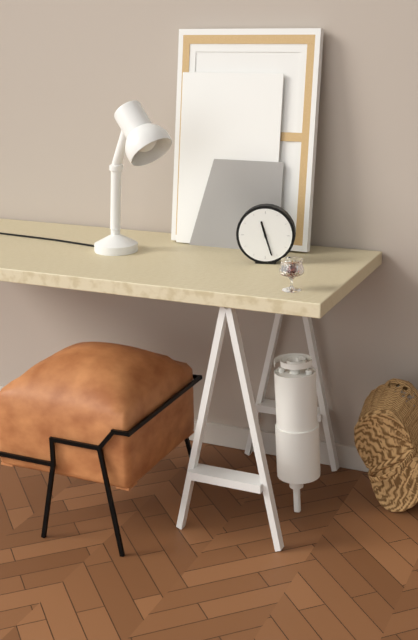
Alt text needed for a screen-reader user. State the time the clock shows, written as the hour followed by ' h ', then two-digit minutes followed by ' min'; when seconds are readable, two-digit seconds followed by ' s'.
11 h 27 min
